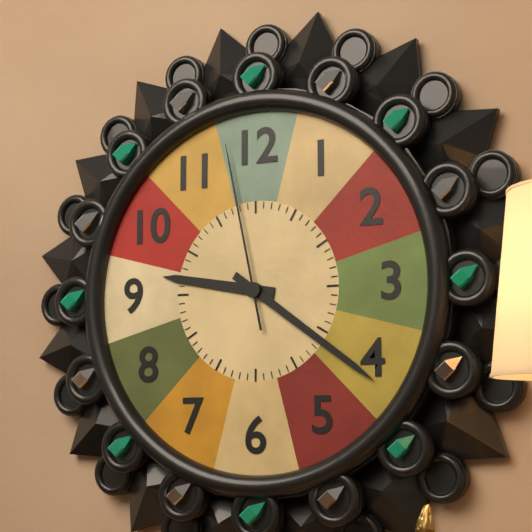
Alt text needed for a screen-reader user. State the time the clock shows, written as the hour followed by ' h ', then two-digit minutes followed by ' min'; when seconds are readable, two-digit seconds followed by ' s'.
9 h 21 min 58 s
